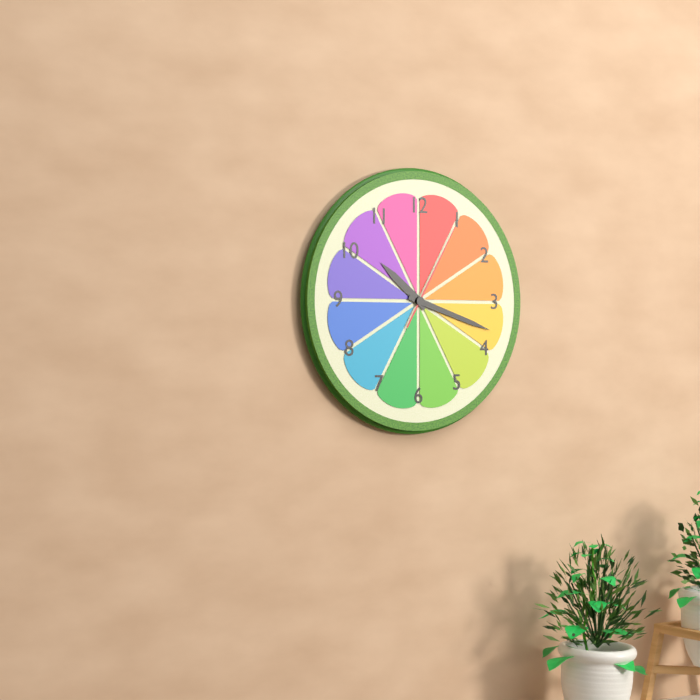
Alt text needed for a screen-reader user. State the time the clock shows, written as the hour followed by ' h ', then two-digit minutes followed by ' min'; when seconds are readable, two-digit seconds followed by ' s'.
10 h 18 min 05 s
